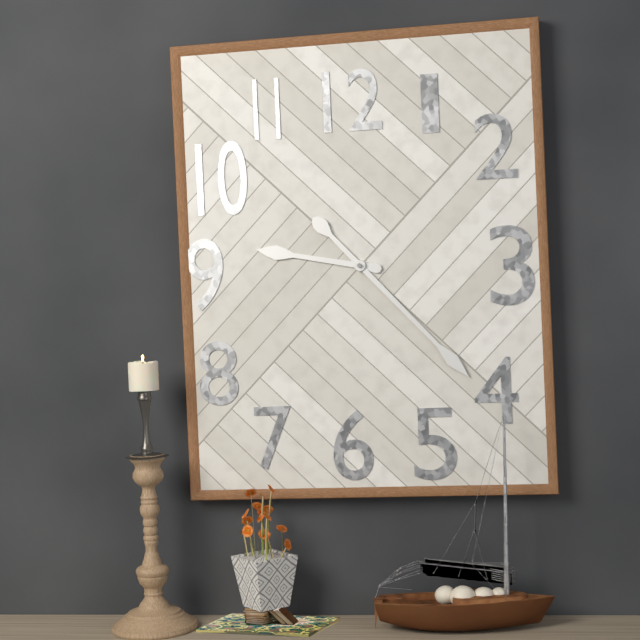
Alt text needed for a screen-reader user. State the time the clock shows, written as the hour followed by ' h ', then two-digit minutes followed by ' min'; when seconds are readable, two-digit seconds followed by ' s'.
9 h 23 min
